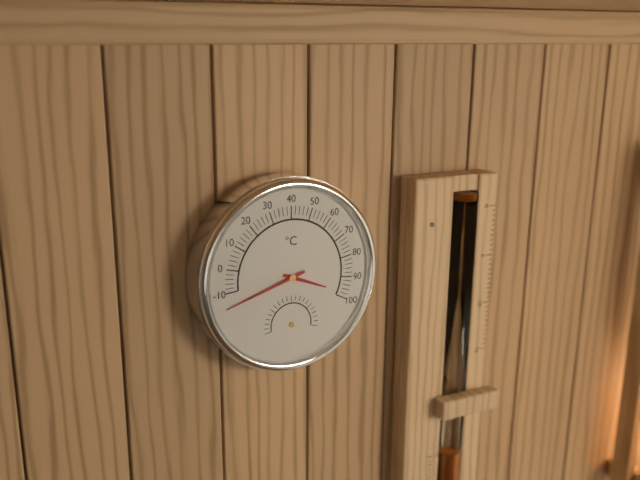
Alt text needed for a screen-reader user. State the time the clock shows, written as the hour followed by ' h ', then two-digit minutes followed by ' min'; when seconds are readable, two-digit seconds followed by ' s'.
3 h 42 min
